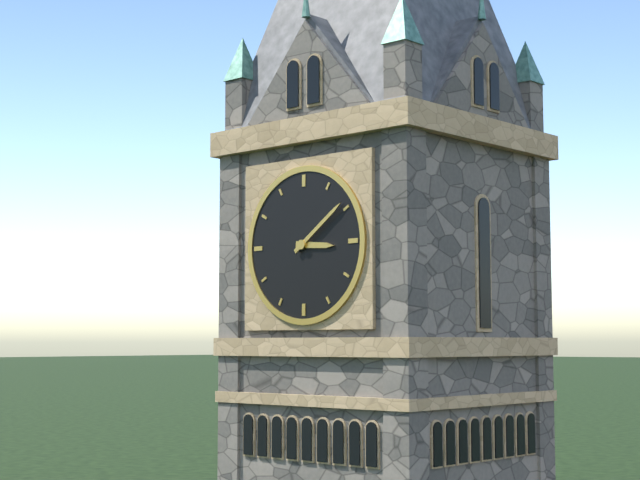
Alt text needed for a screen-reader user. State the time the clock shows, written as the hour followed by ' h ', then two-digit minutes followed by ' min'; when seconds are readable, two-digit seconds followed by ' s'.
3 h 09 min
